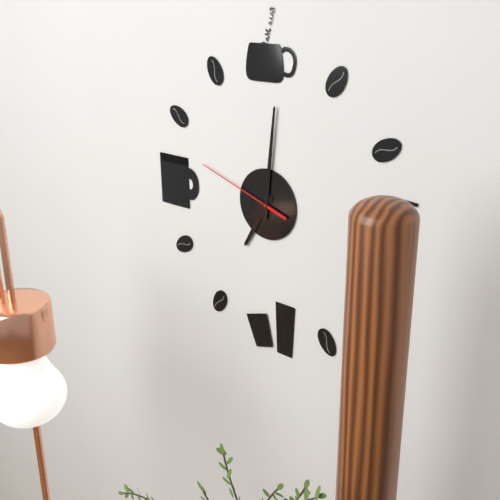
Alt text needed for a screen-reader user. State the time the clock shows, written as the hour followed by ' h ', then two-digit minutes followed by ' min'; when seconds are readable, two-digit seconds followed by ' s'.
7 h 01 min 48 s
